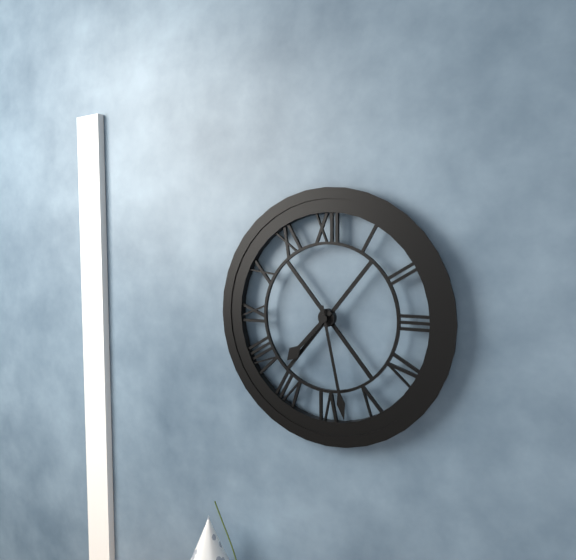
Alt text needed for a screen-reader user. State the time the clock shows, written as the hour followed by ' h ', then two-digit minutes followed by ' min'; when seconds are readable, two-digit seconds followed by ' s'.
7 h 28 min
